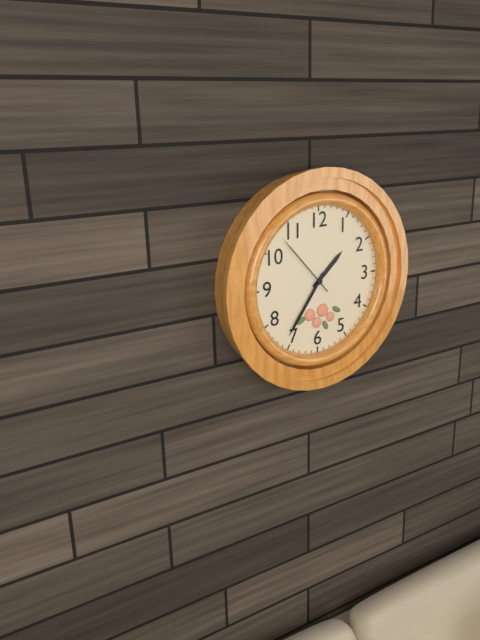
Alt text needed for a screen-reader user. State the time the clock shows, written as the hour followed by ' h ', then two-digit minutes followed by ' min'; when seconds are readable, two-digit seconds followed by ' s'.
1 h 36 min 53 s
